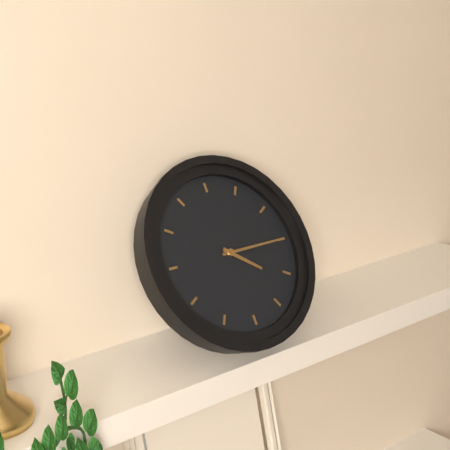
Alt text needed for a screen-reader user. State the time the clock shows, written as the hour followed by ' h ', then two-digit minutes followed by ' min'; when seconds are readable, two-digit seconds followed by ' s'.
4 h 15 min
